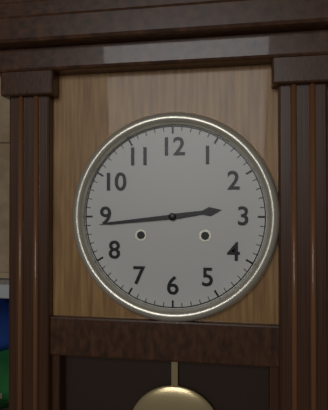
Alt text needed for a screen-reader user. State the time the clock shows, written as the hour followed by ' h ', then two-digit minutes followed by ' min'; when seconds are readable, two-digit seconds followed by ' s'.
2 h 44 min
